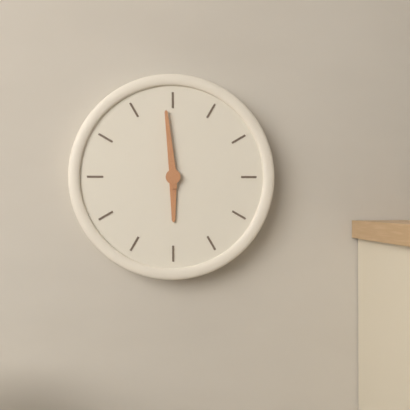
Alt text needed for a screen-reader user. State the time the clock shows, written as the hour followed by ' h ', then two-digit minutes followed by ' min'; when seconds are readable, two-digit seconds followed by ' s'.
5 h 59 min
